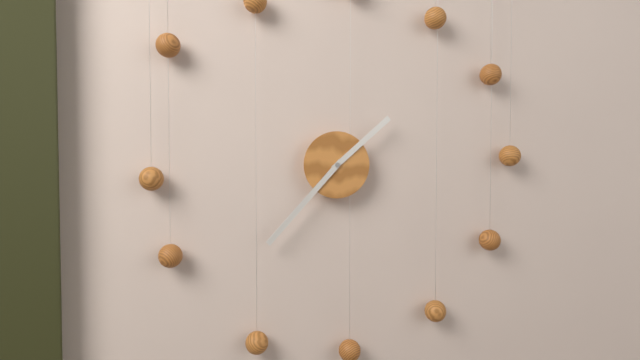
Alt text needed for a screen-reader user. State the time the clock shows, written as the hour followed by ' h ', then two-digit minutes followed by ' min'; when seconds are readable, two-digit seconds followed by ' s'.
1 h 37 min
